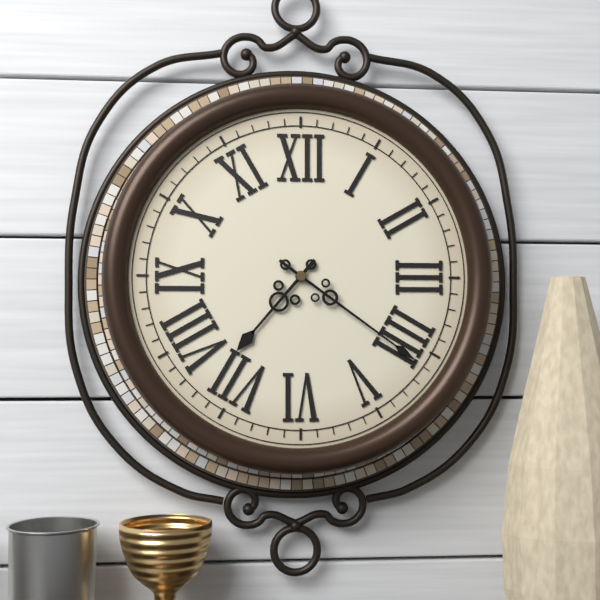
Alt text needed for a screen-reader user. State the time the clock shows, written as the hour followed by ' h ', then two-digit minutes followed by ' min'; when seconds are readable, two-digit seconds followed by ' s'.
7 h 21 min
